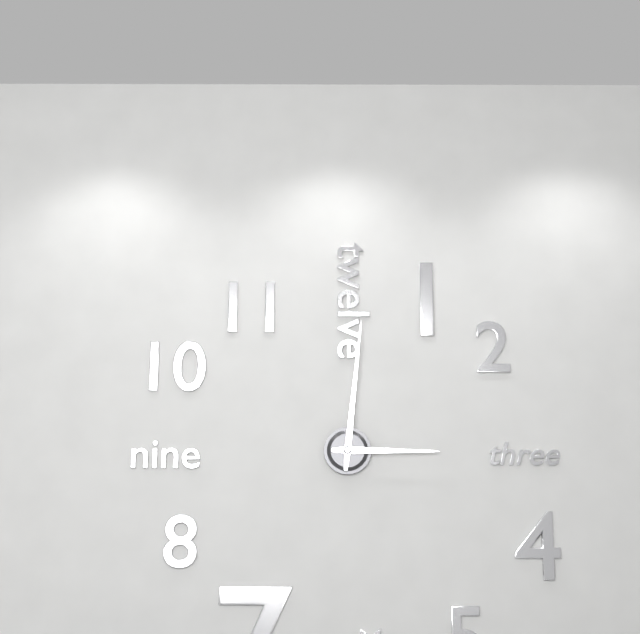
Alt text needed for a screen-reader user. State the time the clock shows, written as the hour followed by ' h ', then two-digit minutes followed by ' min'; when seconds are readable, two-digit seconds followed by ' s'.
3 h 01 min
